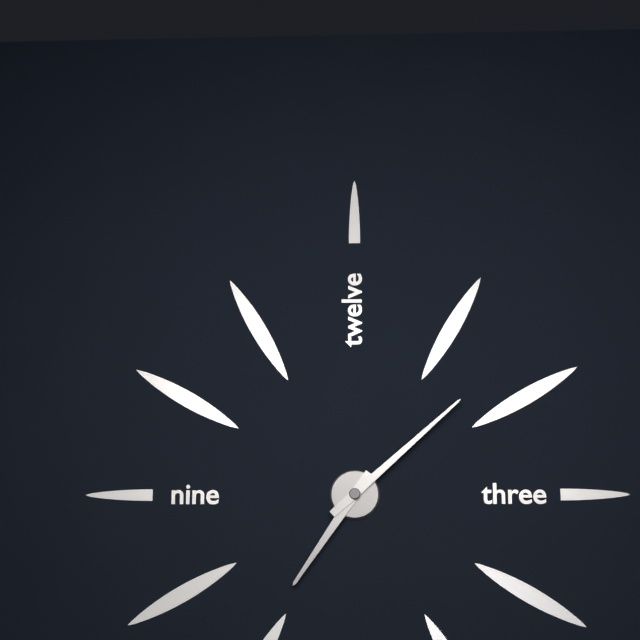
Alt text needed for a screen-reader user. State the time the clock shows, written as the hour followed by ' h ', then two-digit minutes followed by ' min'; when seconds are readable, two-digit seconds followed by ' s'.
7 h 08 min
